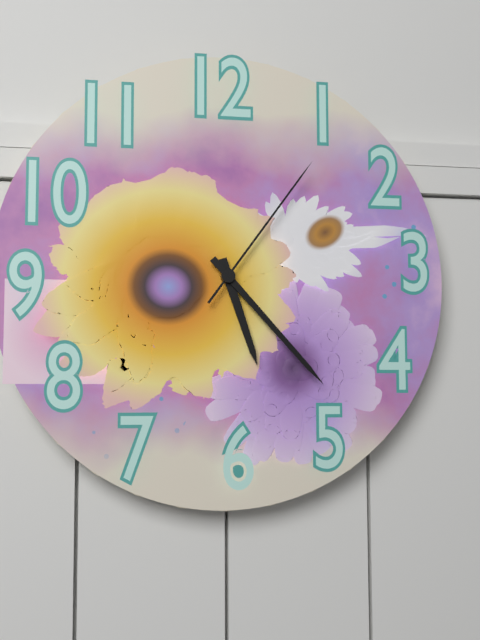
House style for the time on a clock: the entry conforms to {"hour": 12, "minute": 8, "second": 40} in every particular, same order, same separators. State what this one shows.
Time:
{"hour": 5, "minute": 23, "second": 6}
